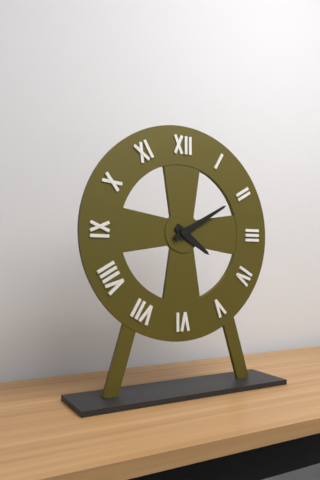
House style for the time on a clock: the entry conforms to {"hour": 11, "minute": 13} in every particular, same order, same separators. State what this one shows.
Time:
{"hour": 4, "minute": 10}
